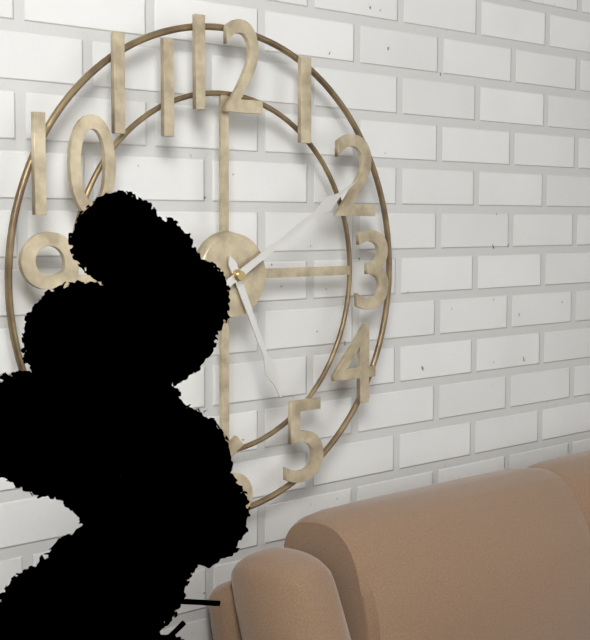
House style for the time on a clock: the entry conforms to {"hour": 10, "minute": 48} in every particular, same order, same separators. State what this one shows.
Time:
{"hour": 5, "minute": 10}
